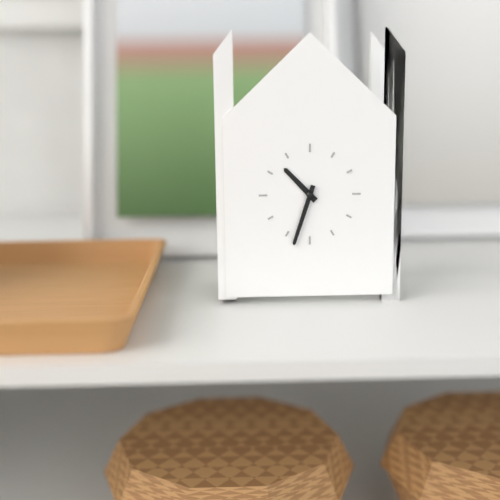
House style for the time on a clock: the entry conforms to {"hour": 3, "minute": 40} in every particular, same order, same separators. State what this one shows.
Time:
{"hour": 10, "minute": 33}
